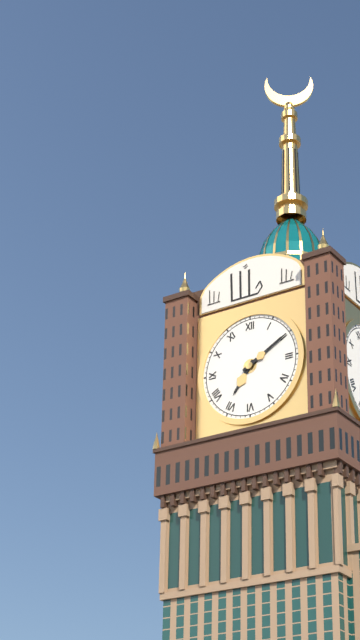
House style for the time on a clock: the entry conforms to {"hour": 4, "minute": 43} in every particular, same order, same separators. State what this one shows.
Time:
{"hour": 7, "minute": 10}
